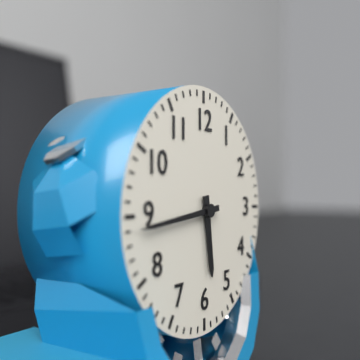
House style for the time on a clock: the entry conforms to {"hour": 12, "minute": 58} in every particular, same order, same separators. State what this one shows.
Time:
{"hour": 5, "minute": 44}
